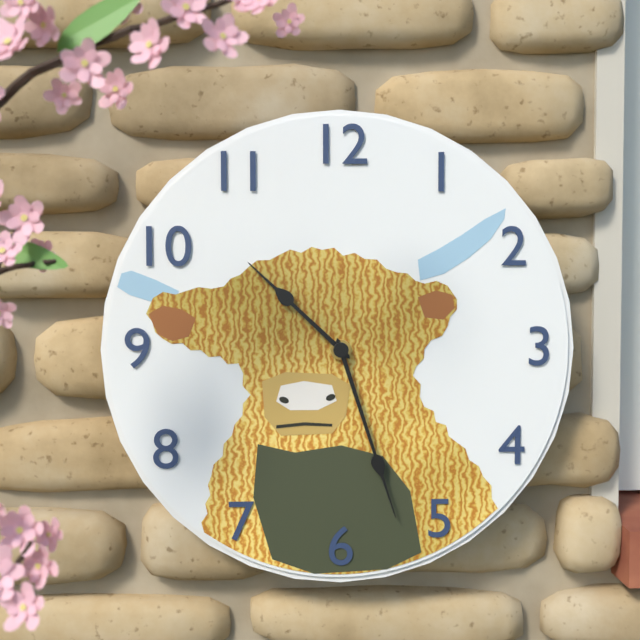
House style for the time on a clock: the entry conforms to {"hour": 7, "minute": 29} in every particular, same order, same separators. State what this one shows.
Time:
{"hour": 10, "minute": 27}
